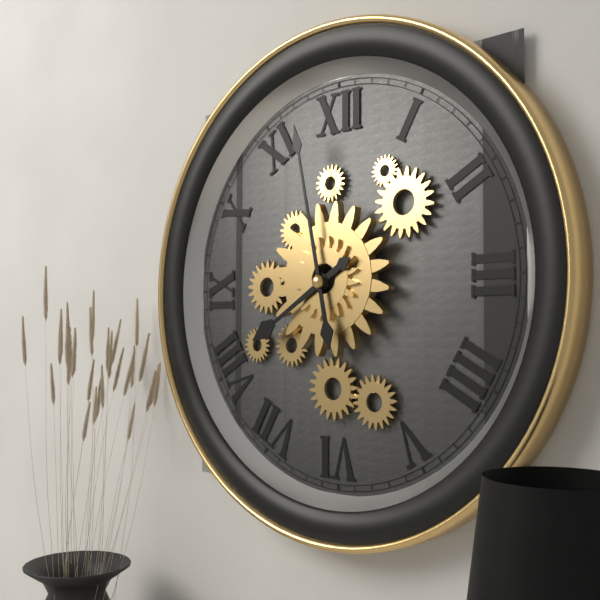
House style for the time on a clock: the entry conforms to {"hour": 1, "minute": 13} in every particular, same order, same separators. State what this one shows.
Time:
{"hour": 7, "minute": 58}
